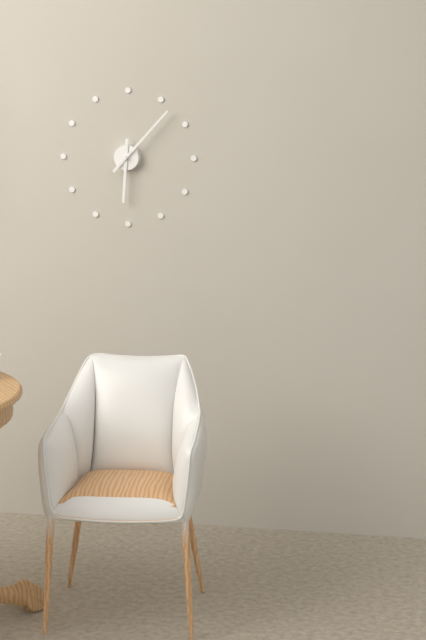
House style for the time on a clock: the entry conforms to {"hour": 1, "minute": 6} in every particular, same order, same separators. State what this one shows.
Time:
{"hour": 6, "minute": 7}
